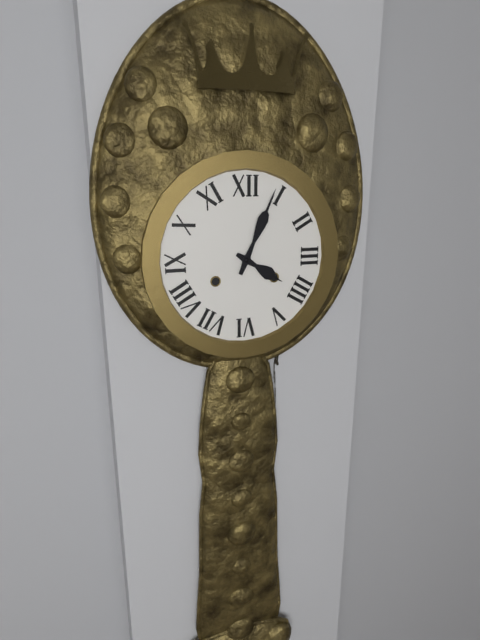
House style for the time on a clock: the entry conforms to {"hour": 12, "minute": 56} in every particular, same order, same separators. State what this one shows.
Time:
{"hour": 4, "minute": 4}
